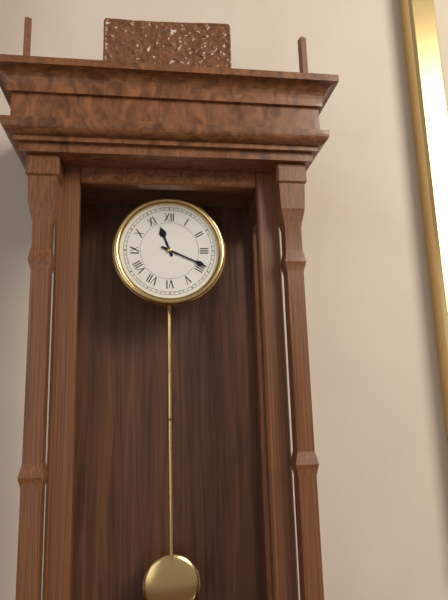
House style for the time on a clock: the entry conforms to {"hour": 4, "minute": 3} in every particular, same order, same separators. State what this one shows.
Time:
{"hour": 11, "minute": 19}
